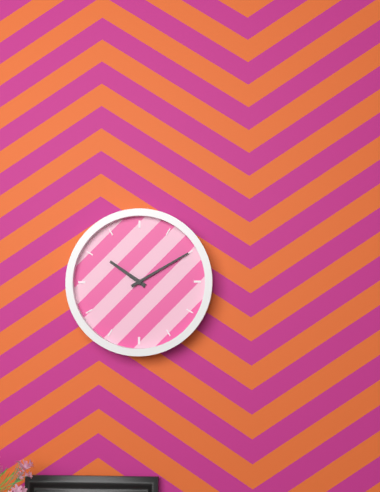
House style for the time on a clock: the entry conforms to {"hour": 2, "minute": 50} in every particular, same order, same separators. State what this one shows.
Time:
{"hour": 10, "minute": 10}
